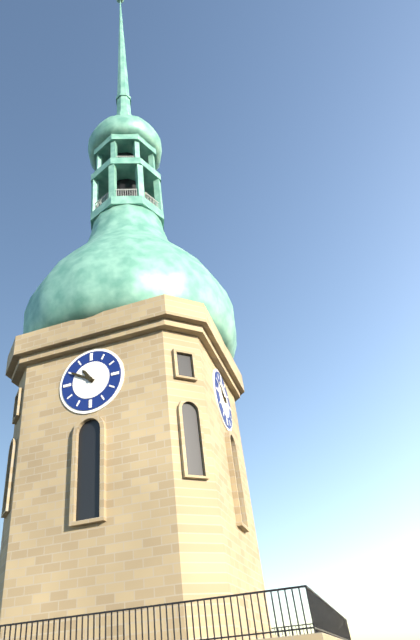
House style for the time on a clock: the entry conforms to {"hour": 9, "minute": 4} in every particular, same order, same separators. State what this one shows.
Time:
{"hour": 10, "minute": 50}
